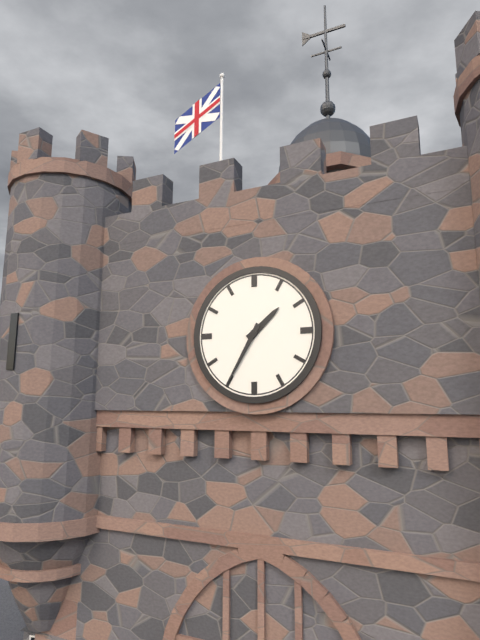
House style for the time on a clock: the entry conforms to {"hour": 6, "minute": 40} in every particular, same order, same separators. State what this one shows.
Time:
{"hour": 1, "minute": 35}
